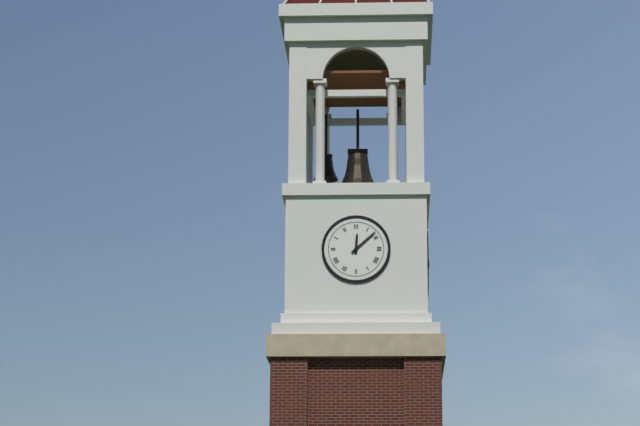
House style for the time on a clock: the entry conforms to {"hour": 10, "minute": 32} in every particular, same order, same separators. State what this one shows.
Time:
{"hour": 12, "minute": 8}
